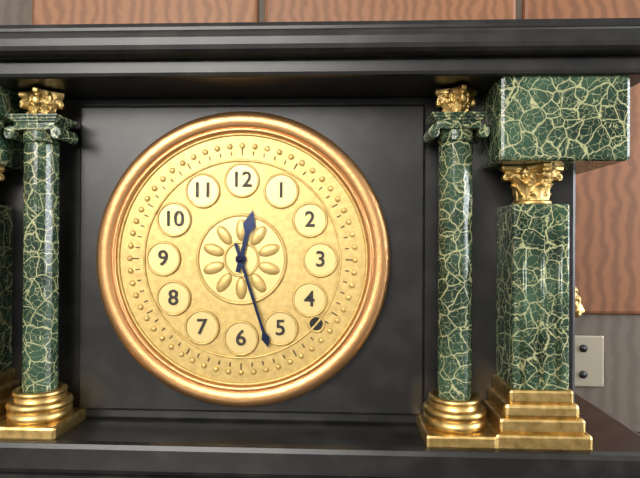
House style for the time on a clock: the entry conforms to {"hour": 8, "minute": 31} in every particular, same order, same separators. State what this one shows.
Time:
{"hour": 12, "minute": 27}
